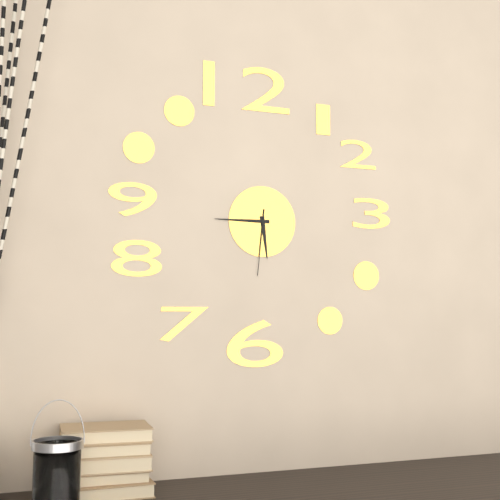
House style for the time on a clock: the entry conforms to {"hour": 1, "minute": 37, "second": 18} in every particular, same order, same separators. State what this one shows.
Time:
{"hour": 5, "minute": 45, "second": 31}
